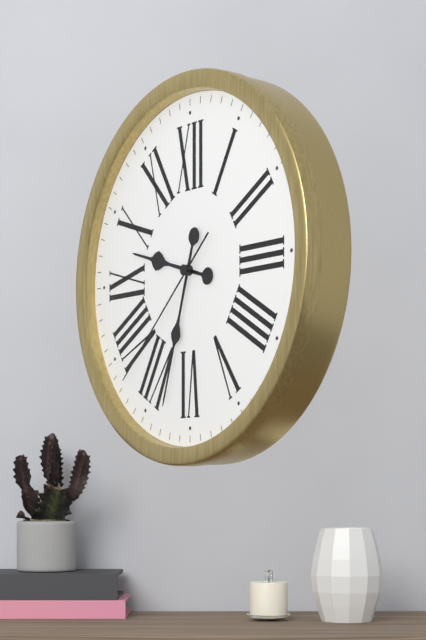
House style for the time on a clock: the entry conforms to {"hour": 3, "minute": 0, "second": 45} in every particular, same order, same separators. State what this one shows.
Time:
{"hour": 9, "minute": 33, "second": 38}
